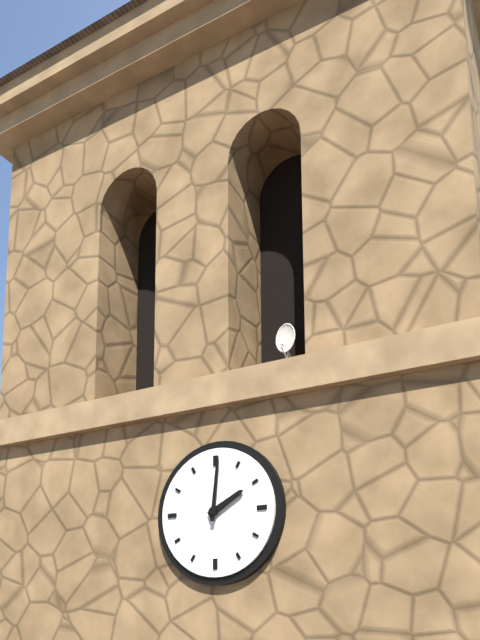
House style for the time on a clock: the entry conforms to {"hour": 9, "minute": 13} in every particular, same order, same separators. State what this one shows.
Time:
{"hour": 2, "minute": 1}
